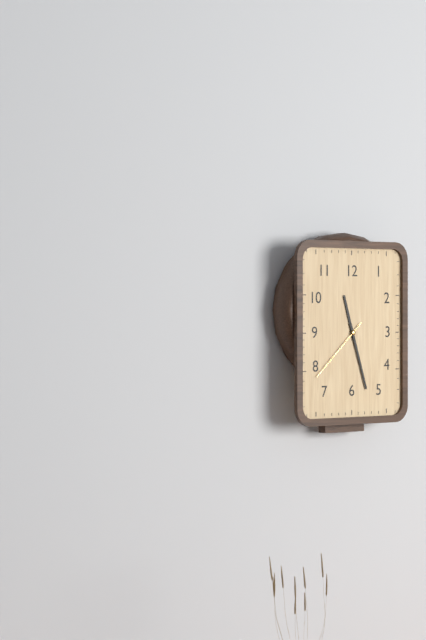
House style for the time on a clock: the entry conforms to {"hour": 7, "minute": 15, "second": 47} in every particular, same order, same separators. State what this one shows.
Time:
{"hour": 11, "minute": 27, "second": 38}
